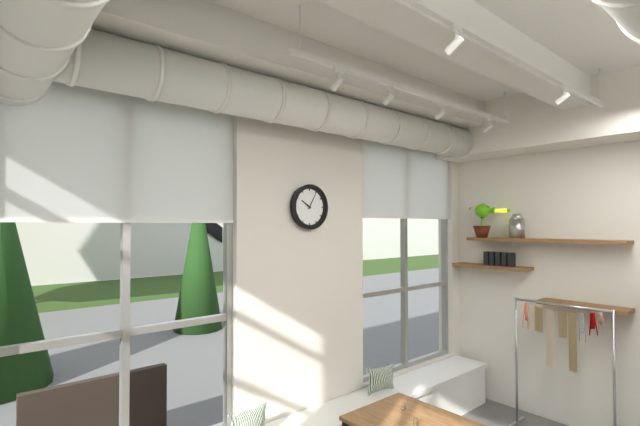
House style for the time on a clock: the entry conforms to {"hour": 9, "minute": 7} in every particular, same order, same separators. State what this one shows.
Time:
{"hour": 10, "minute": 5}
